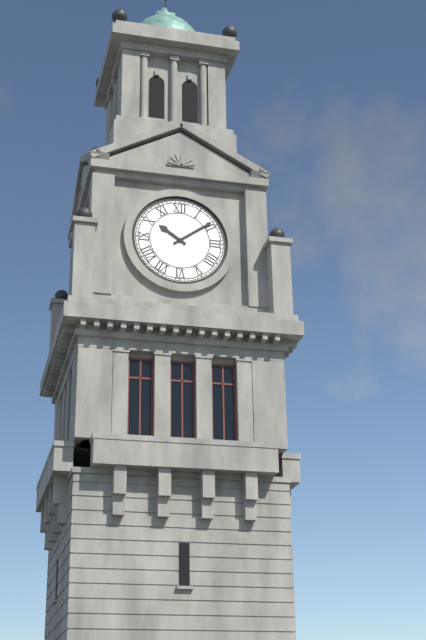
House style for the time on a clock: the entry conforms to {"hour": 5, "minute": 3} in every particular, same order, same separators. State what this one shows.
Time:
{"hour": 10, "minute": 9}
